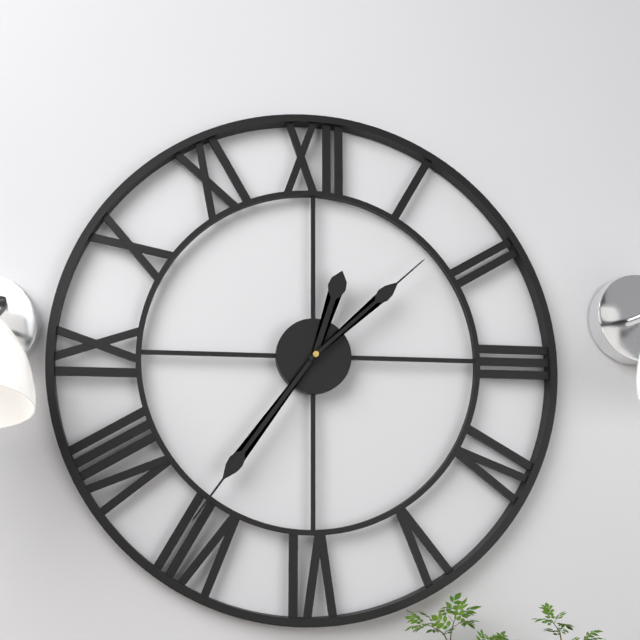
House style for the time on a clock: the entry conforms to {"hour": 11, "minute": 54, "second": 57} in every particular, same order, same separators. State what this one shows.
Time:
{"hour": 12, "minute": 36, "second": 8}
